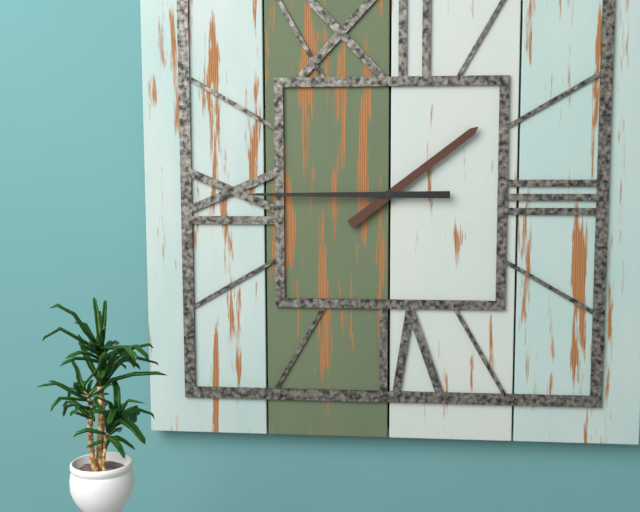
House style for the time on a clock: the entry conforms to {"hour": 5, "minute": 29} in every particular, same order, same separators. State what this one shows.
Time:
{"hour": 1, "minute": 45}
